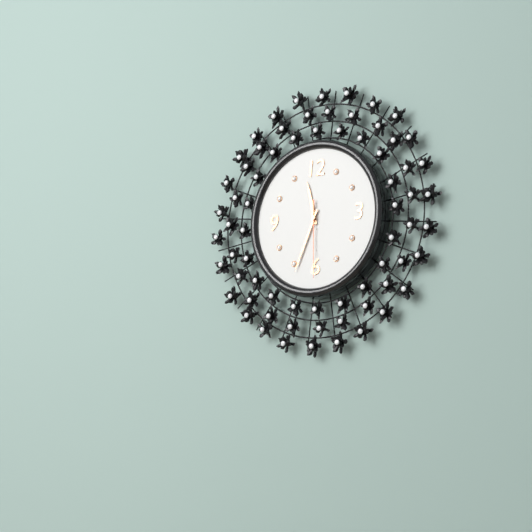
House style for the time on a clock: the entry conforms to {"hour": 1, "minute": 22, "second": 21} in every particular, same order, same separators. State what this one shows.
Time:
{"hour": 11, "minute": 34, "second": 30}
